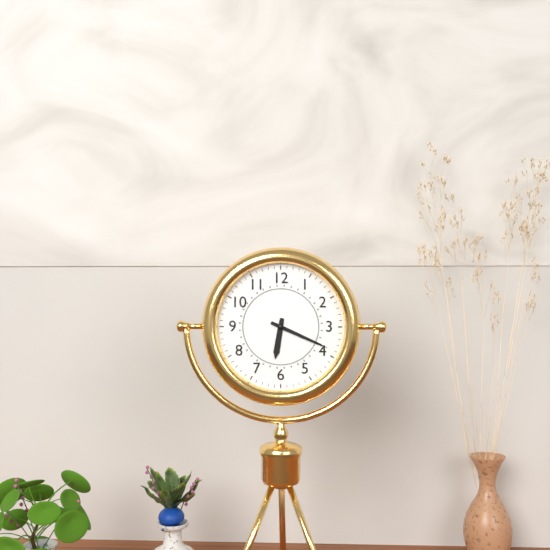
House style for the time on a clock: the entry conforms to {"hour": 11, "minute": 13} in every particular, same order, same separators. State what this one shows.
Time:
{"hour": 6, "minute": 19}
